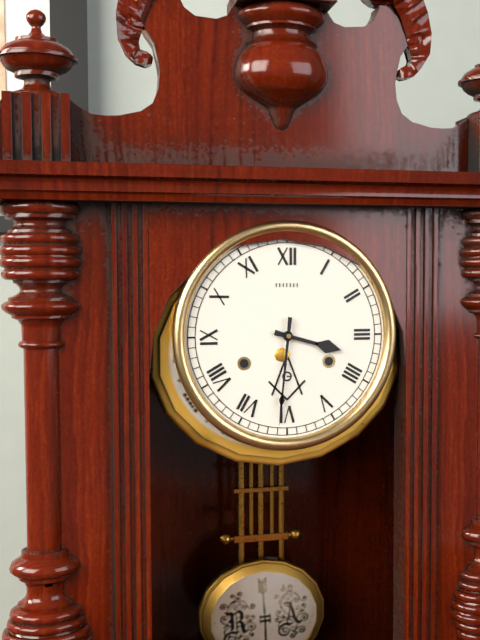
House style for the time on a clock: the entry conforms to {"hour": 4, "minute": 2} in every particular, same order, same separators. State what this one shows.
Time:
{"hour": 3, "minute": 31}
